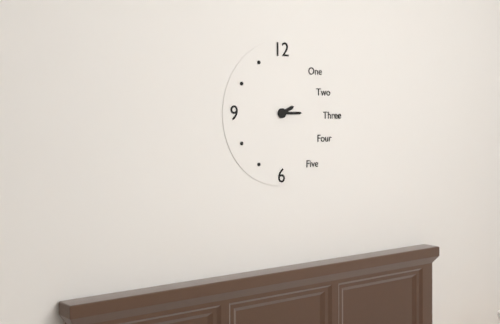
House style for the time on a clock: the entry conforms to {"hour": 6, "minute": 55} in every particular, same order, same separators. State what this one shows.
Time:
{"hour": 2, "minute": 15}
